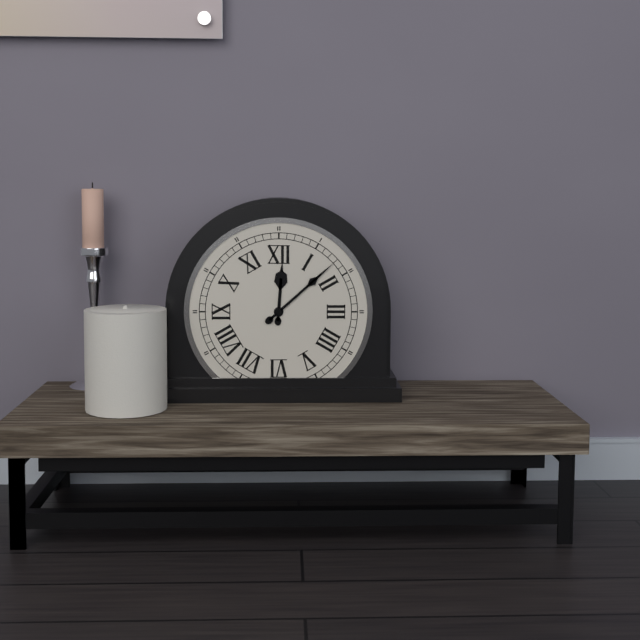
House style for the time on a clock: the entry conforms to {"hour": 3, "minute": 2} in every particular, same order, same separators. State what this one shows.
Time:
{"hour": 12, "minute": 8}
